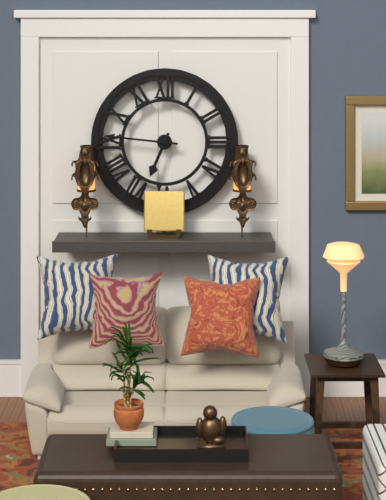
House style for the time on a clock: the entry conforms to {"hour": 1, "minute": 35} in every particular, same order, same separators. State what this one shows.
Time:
{"hour": 6, "minute": 46}
